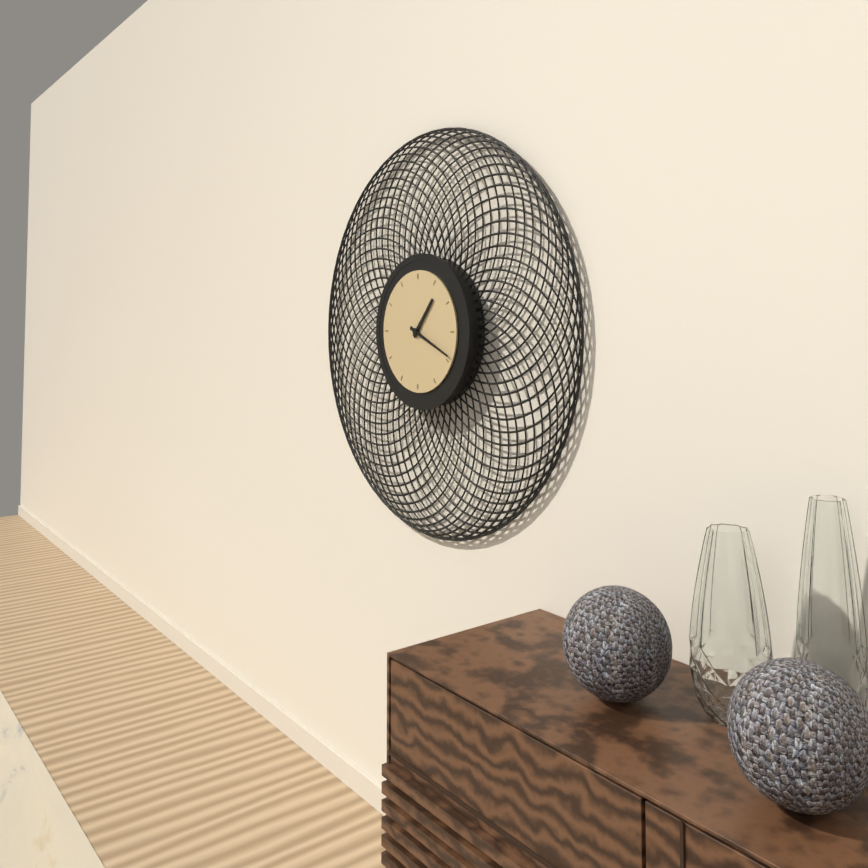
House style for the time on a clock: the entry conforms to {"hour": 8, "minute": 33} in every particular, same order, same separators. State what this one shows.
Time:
{"hour": 1, "minute": 19}
